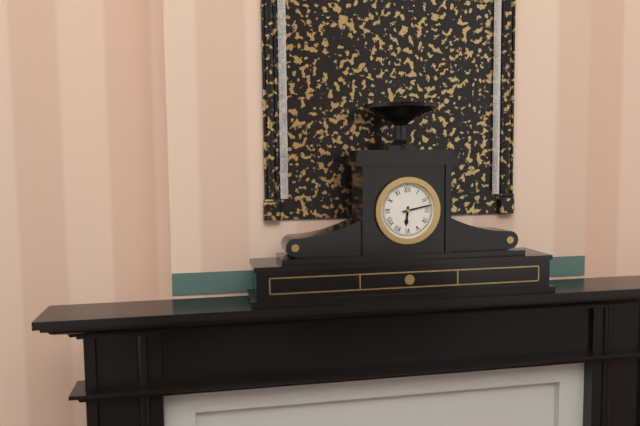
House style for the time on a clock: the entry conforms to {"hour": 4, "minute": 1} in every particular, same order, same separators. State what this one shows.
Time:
{"hour": 6, "minute": 13}
